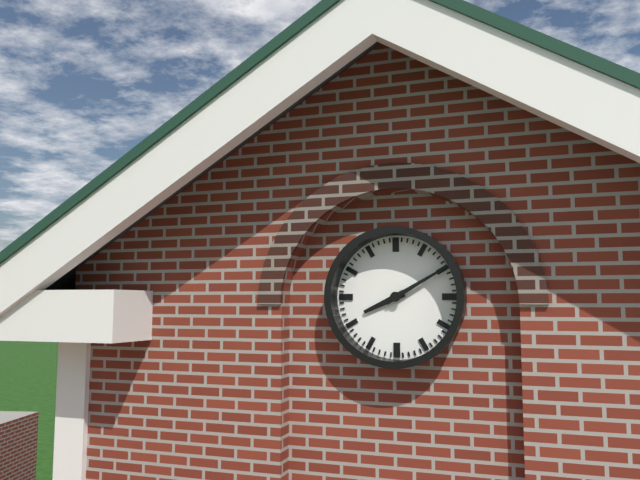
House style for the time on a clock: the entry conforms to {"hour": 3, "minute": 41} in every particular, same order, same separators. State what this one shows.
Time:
{"hour": 8, "minute": 10}
